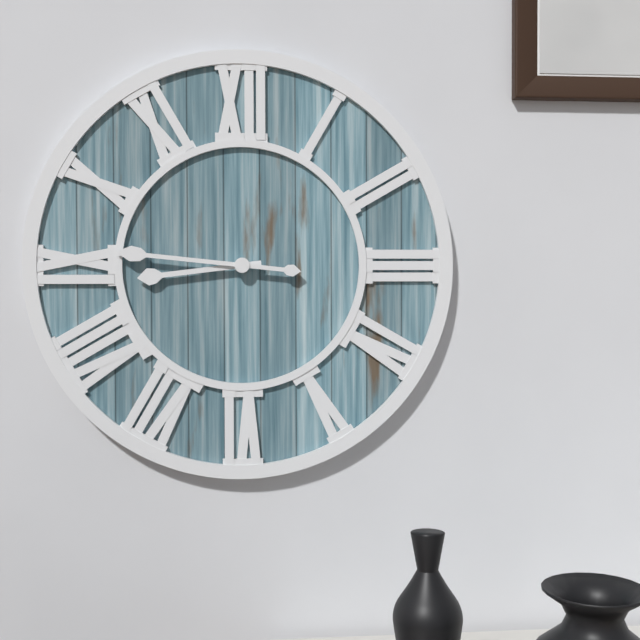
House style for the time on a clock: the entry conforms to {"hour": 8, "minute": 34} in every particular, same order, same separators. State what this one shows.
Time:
{"hour": 8, "minute": 46}
